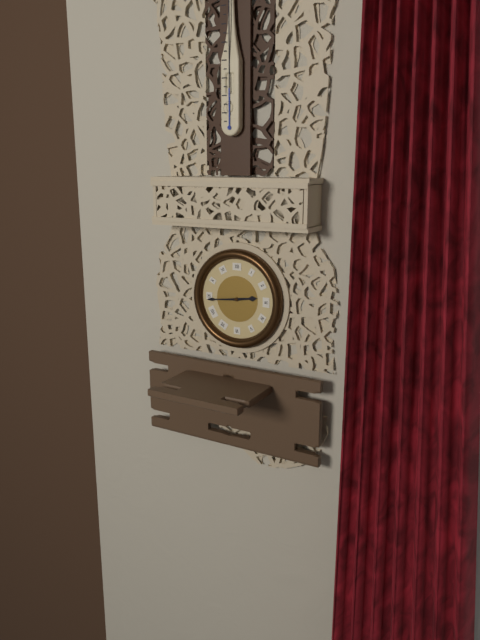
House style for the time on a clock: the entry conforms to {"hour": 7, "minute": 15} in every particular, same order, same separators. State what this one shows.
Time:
{"hour": 2, "minute": 44}
